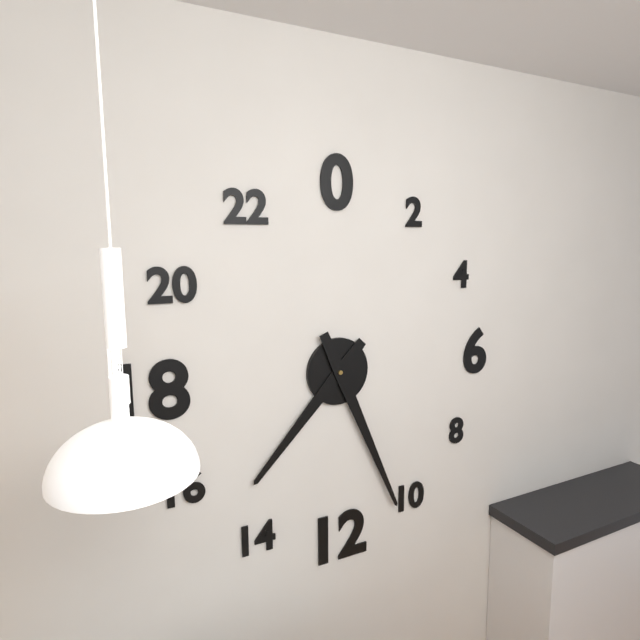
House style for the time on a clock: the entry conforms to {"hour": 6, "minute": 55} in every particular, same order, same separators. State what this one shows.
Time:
{"hour": 7, "minute": 26}
